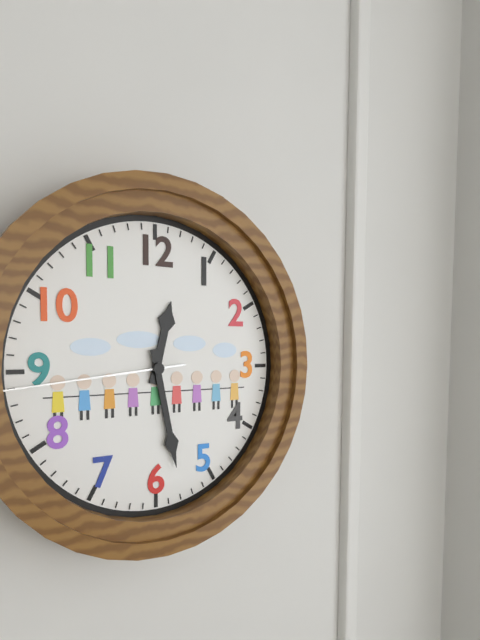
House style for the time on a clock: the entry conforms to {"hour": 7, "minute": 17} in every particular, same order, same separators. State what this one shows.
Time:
{"hour": 12, "minute": 28}
